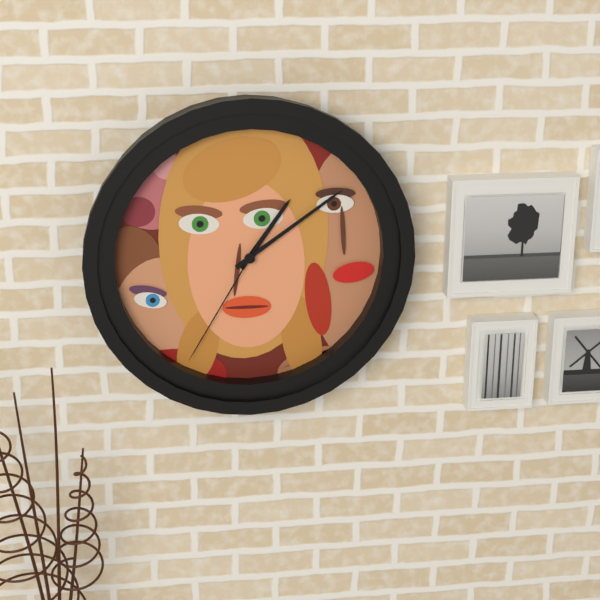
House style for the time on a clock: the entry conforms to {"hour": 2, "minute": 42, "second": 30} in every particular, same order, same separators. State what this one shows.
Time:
{"hour": 1, "minute": 9, "second": 35}
